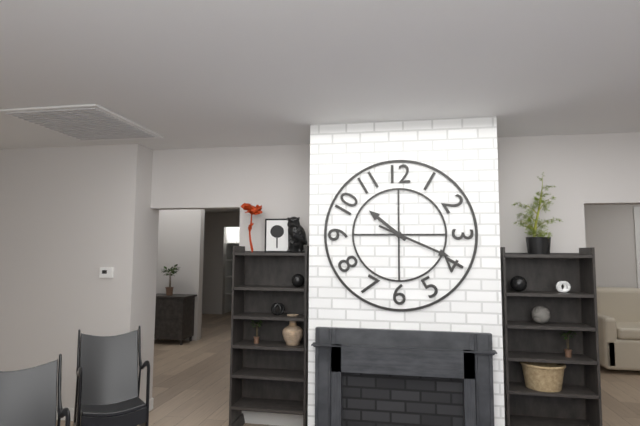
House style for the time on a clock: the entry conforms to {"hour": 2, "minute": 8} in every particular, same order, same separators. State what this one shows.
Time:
{"hour": 10, "minute": 19}
